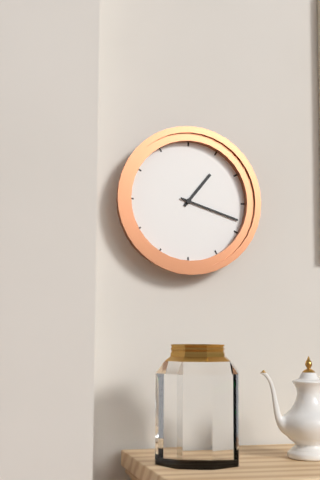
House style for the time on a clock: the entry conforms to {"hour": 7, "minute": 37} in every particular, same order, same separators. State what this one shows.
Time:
{"hour": 1, "minute": 18}
